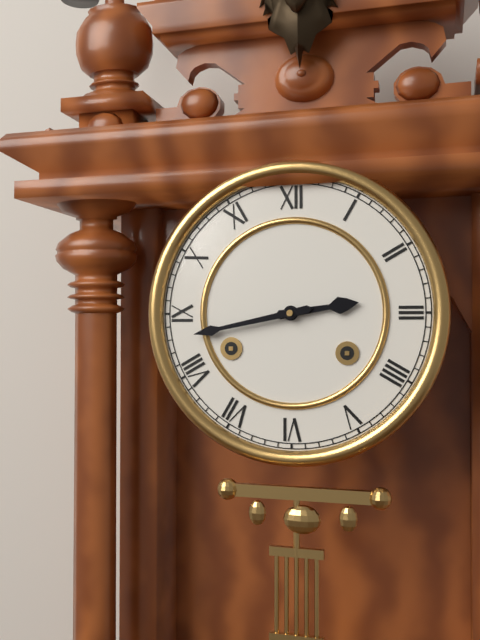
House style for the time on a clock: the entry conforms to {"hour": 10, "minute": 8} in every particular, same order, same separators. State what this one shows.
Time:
{"hour": 2, "minute": 43}
